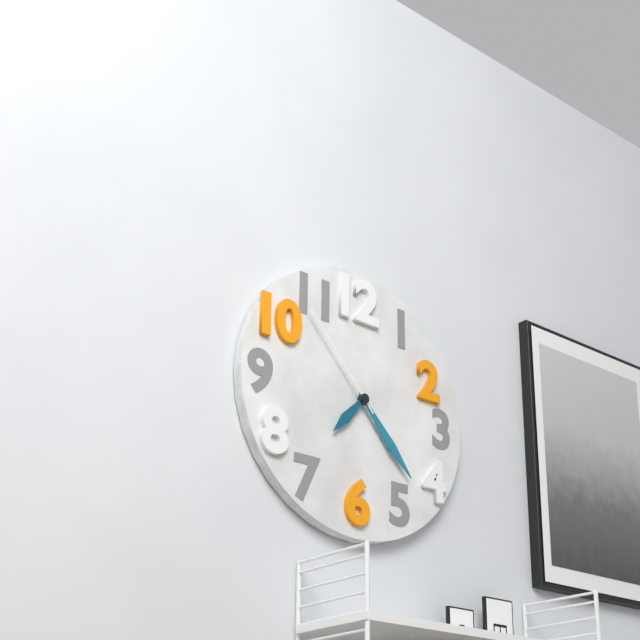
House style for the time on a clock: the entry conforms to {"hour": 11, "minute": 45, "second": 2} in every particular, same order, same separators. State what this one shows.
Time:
{"hour": 7, "minute": 23, "second": 53}
